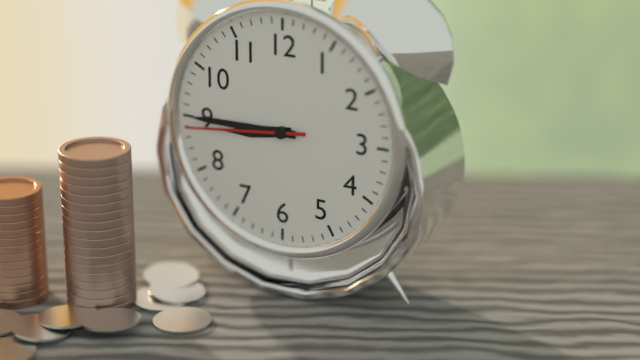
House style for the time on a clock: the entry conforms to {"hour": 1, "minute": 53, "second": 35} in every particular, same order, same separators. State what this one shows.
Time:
{"hour": 8, "minute": 45, "second": 44}
